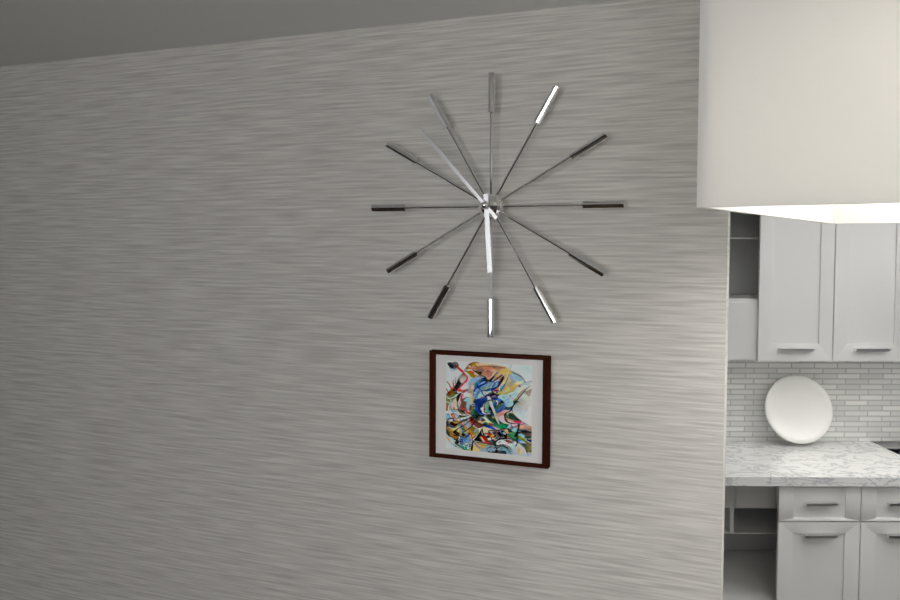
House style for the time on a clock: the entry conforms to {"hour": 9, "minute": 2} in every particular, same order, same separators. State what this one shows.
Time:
{"hour": 5, "minute": 53}
